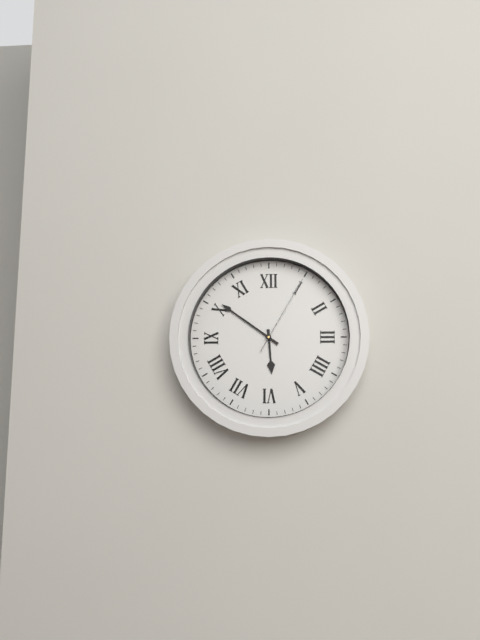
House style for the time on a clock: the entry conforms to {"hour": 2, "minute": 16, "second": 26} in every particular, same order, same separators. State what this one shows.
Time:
{"hour": 5, "minute": 51, "second": 5}
